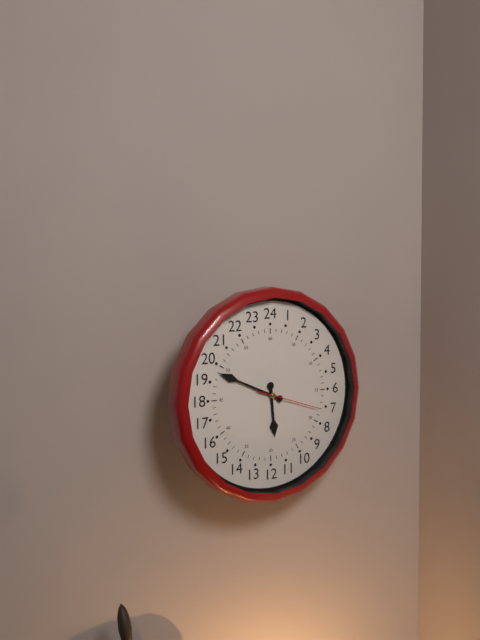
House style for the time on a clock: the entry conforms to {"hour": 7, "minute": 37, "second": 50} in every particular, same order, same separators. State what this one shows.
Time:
{"hour": 5, "minute": 49, "second": 18}
